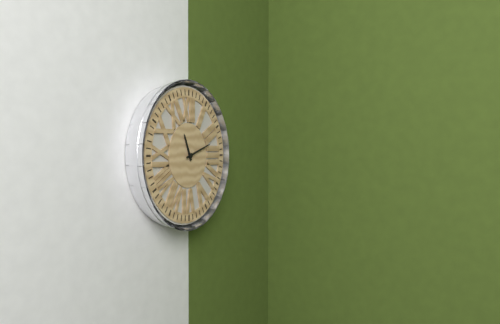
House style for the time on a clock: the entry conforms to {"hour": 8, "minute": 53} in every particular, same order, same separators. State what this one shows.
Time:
{"hour": 11, "minute": 12}
